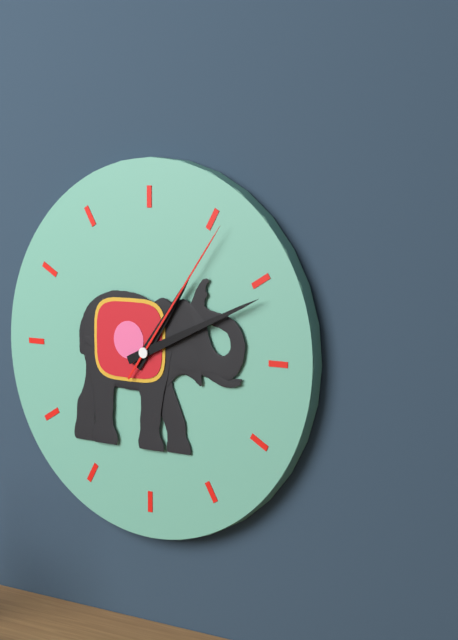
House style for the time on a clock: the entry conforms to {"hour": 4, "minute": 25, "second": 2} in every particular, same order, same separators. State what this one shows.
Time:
{"hour": 1, "minute": 11, "second": 6}
